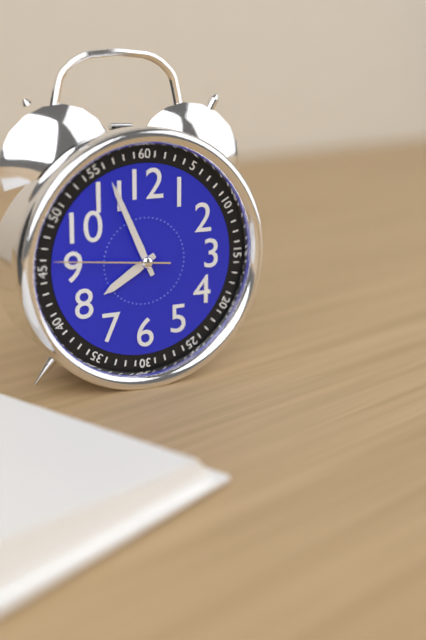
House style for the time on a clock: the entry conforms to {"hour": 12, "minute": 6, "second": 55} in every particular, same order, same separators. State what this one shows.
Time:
{"hour": 7, "minute": 56, "second": 46}
